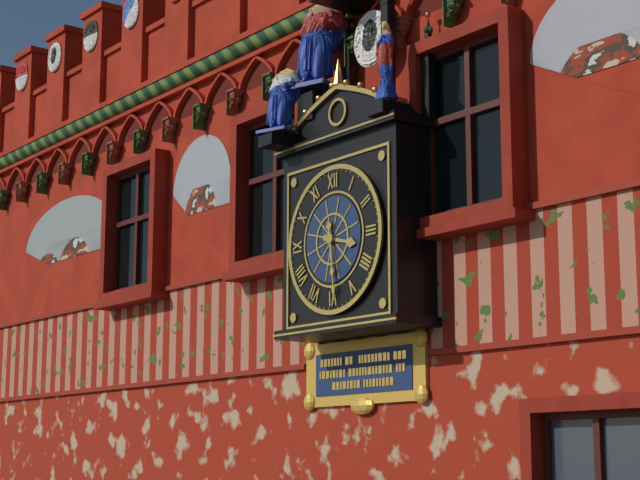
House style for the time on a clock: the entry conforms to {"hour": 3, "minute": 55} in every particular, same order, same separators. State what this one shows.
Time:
{"hour": 3, "minute": 29}
